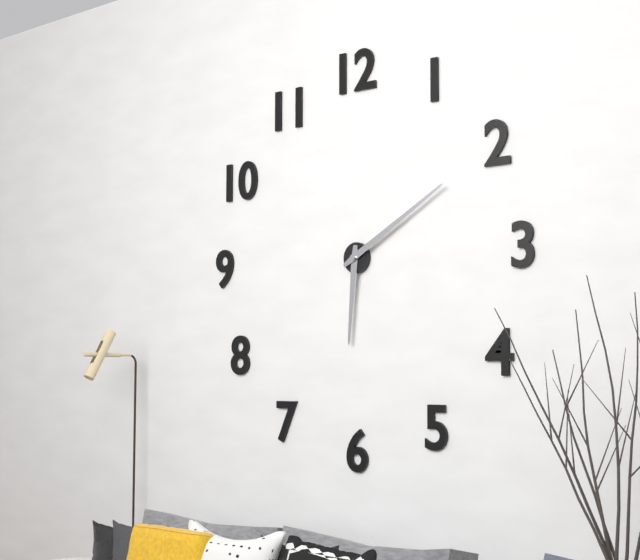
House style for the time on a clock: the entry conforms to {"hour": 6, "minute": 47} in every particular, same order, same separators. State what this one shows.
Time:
{"hour": 6, "minute": 10}
